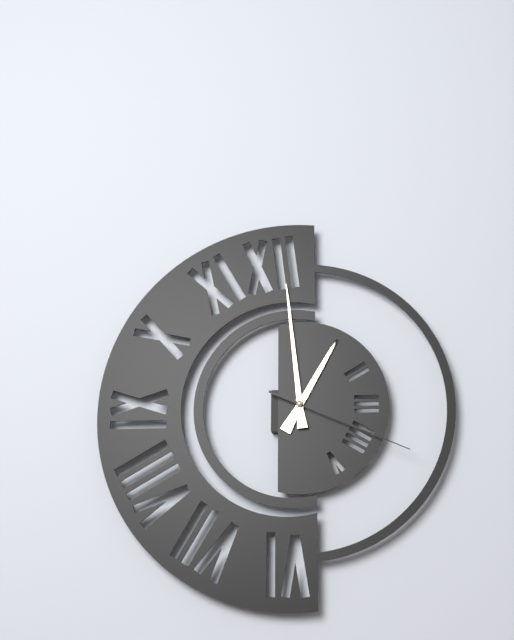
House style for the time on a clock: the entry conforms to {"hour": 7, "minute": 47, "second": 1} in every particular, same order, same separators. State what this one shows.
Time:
{"hour": 12, "minute": 59, "second": 19}
